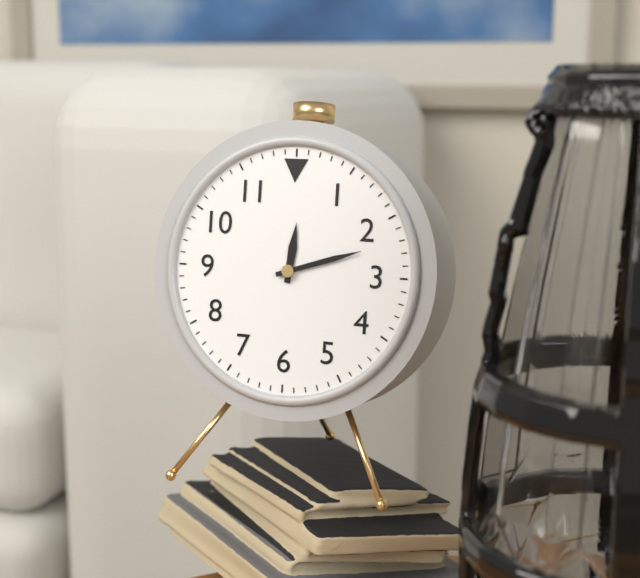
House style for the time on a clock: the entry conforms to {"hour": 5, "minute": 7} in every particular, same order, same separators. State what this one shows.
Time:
{"hour": 12, "minute": 12}
